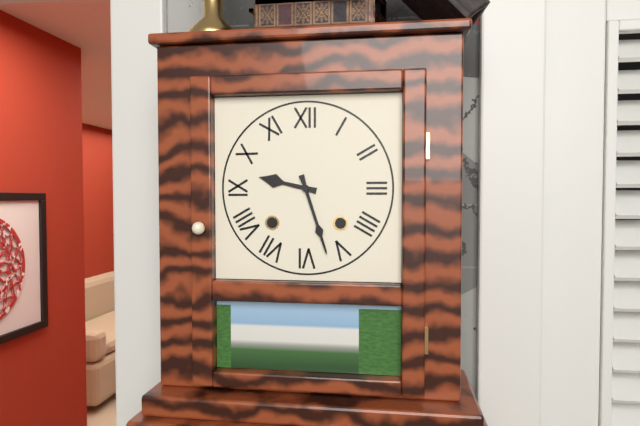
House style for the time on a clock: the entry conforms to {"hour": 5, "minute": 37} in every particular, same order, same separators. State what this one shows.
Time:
{"hour": 9, "minute": 27}
